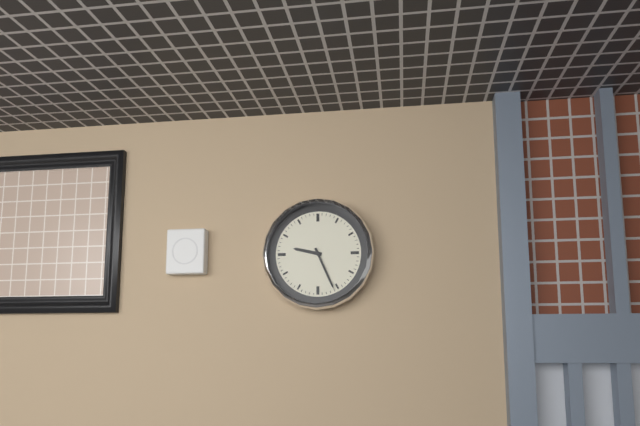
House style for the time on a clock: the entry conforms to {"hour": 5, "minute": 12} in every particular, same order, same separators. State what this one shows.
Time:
{"hour": 9, "minute": 26}
